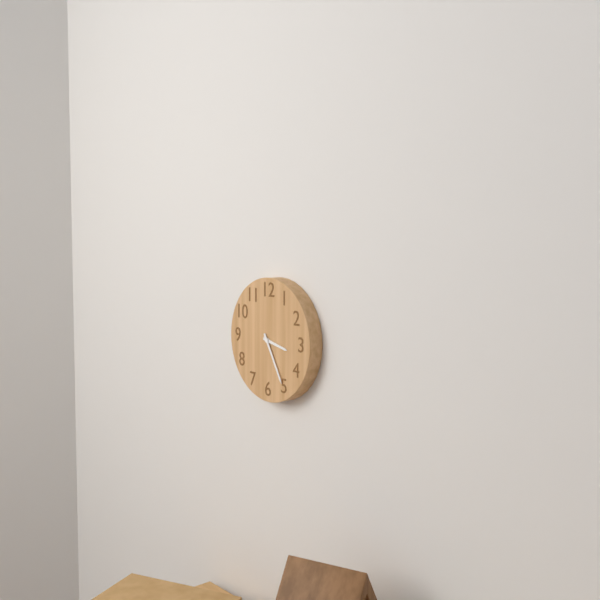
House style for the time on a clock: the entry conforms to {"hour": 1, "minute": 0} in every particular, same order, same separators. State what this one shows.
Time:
{"hour": 3, "minute": 25}
